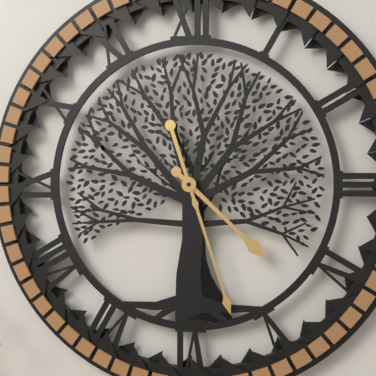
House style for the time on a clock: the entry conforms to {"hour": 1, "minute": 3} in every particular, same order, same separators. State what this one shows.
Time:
{"hour": 4, "minute": 27}
